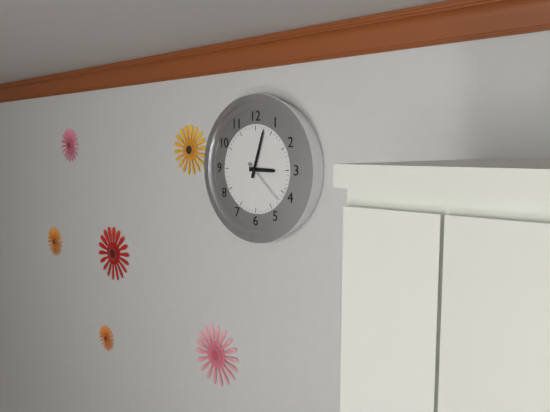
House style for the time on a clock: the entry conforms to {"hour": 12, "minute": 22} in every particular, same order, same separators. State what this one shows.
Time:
{"hour": 3, "minute": 3}
